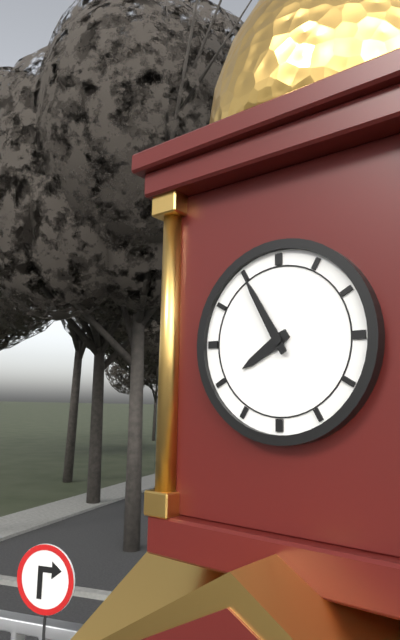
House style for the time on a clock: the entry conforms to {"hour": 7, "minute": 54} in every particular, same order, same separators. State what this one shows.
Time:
{"hour": 7, "minute": 55}
